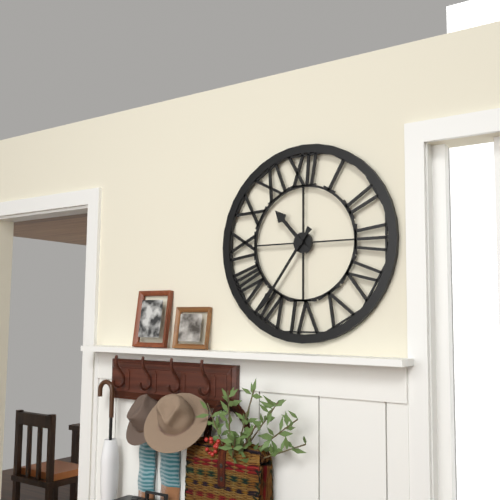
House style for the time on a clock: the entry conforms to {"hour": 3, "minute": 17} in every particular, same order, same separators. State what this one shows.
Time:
{"hour": 10, "minute": 36}
